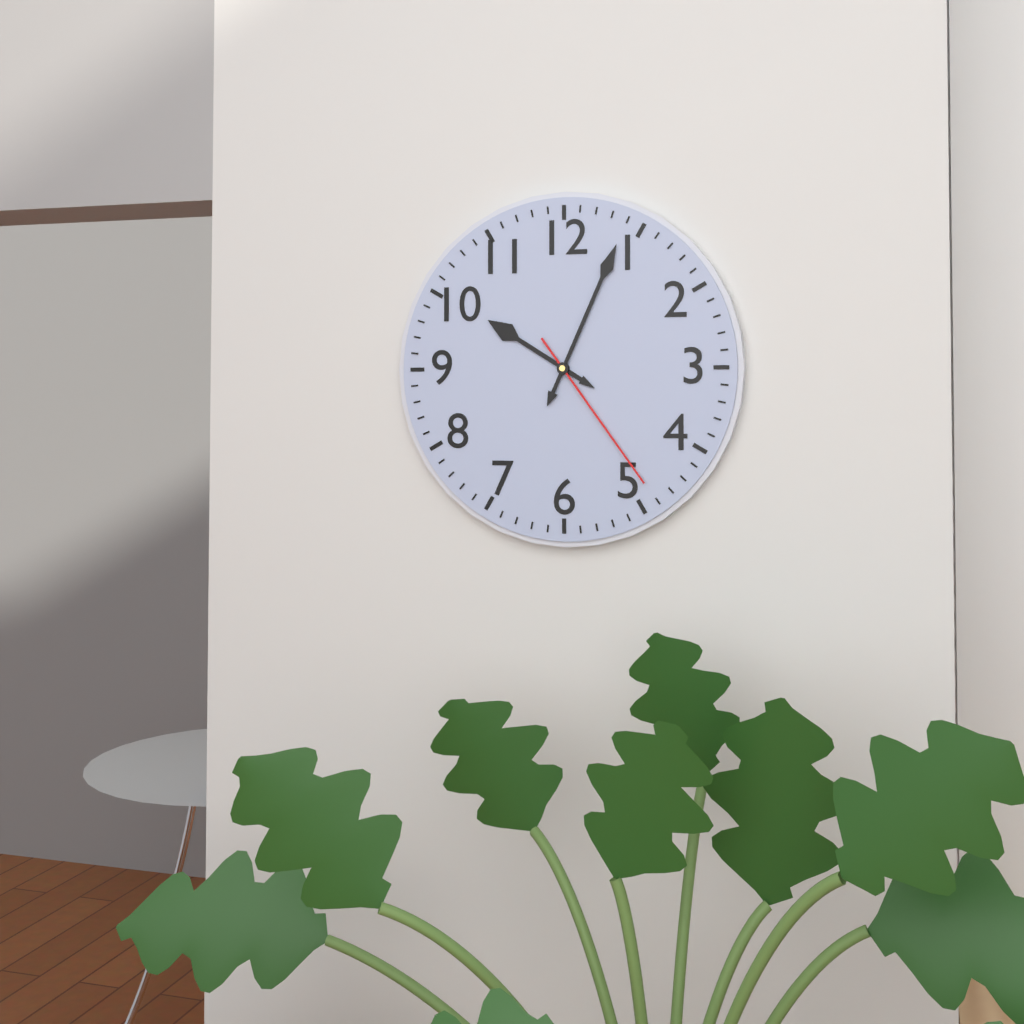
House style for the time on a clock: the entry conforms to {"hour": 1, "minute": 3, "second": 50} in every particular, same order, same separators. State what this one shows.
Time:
{"hour": 10, "minute": 4, "second": 24}
